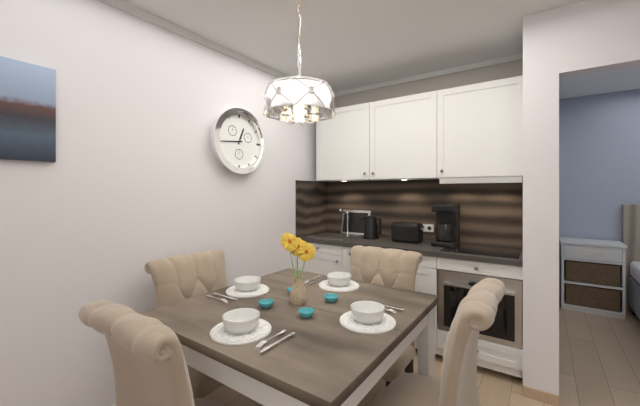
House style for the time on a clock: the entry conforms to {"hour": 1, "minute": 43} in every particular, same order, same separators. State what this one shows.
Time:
{"hour": 12, "minute": 44}
